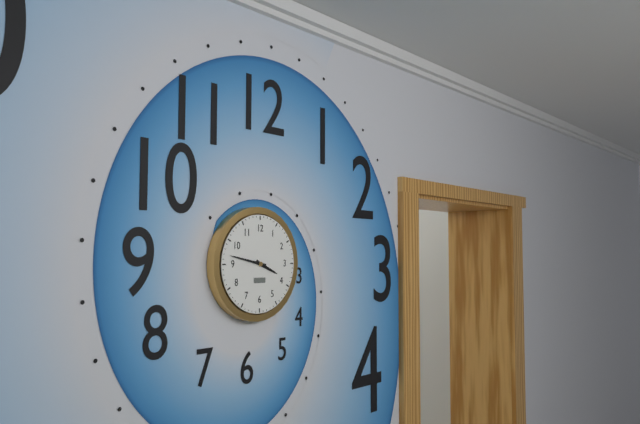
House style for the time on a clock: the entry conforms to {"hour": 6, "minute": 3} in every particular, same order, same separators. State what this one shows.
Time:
{"hour": 3, "minute": 47}
